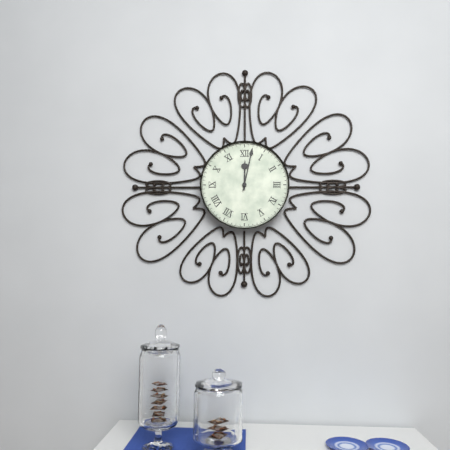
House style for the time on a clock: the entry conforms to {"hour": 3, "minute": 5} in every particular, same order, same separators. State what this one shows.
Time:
{"hour": 12, "minute": 2}
